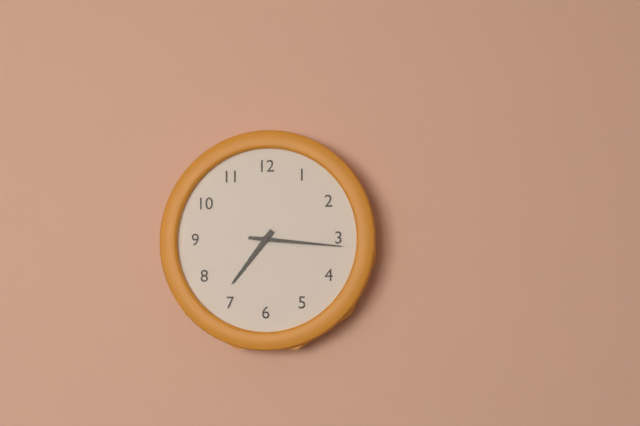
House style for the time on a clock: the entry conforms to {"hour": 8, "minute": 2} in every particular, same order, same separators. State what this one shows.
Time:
{"hour": 7, "minute": 16}
